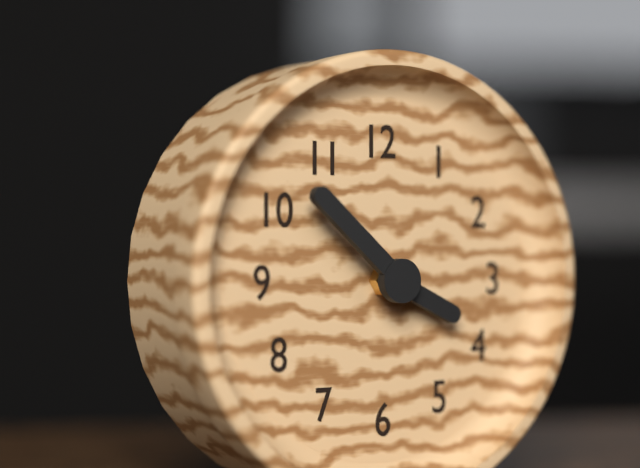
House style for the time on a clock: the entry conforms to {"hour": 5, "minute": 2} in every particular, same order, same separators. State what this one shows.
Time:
{"hour": 3, "minute": 52}
